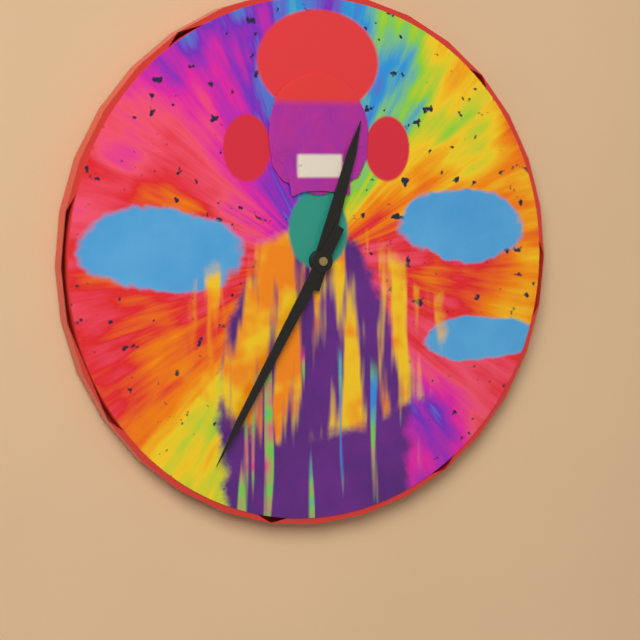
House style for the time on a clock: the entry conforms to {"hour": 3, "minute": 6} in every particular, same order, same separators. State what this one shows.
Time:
{"hour": 12, "minute": 35}
